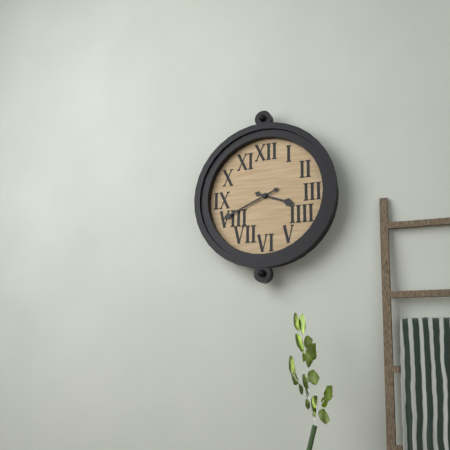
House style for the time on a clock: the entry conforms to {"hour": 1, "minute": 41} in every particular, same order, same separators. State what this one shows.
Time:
{"hour": 3, "minute": 41}
